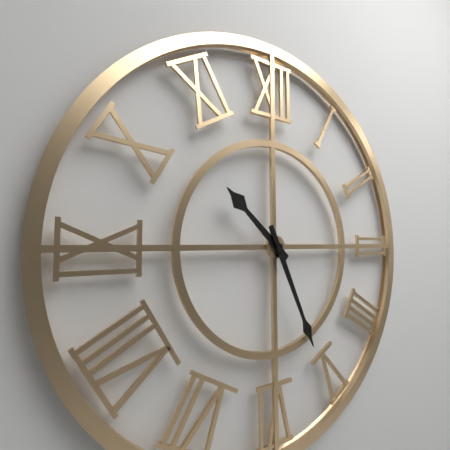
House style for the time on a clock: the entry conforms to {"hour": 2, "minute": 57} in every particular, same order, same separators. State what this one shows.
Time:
{"hour": 10, "minute": 26}
